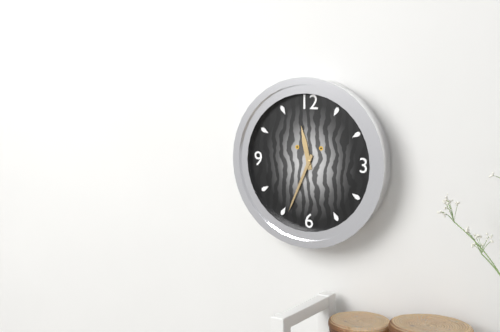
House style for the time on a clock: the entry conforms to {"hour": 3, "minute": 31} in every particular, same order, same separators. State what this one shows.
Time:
{"hour": 11, "minute": 34}
